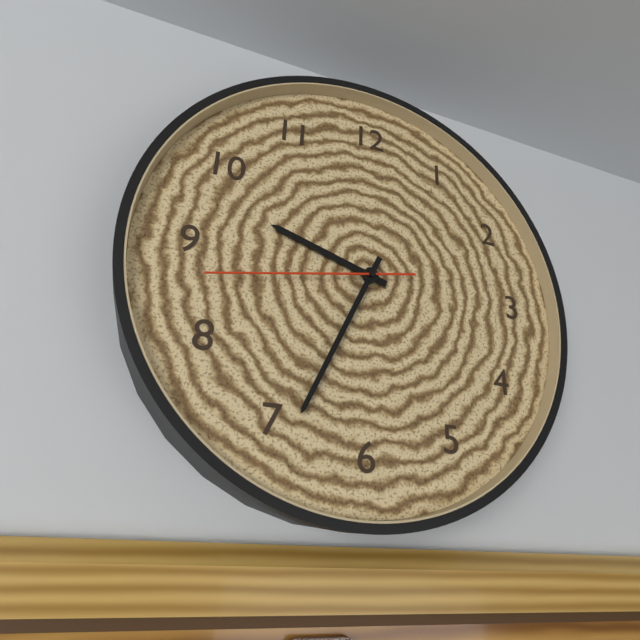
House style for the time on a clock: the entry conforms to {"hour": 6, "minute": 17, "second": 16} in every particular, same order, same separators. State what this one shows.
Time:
{"hour": 9, "minute": 34, "second": 43}
